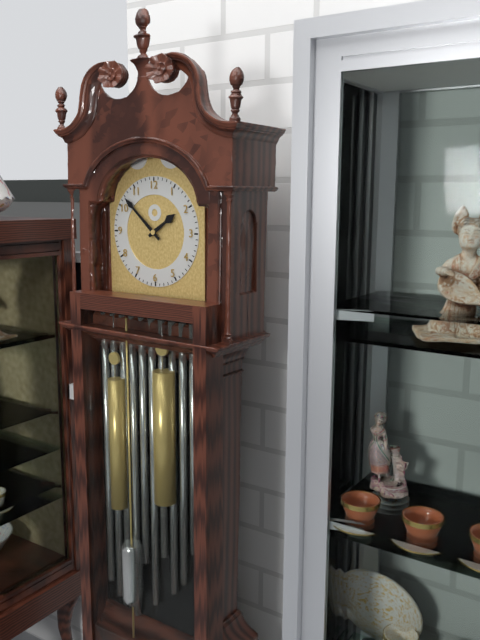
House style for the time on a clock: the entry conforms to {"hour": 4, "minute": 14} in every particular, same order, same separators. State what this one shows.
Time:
{"hour": 1, "minute": 52}
